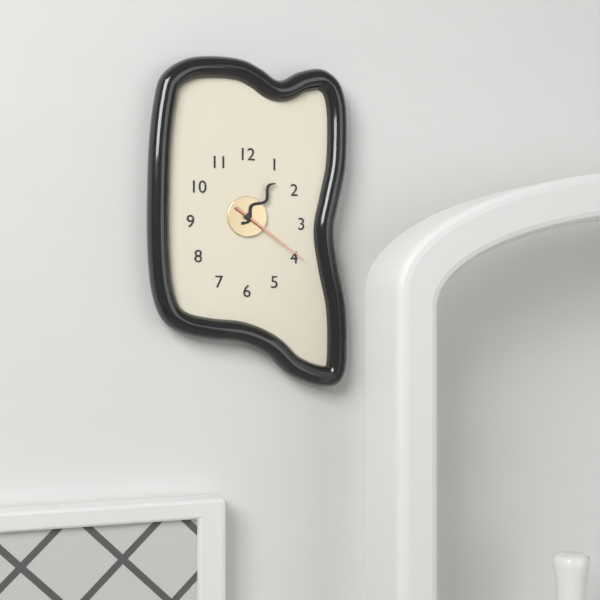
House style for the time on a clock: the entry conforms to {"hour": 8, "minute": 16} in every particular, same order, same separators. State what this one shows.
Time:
{"hour": 1, "minute": 21}
